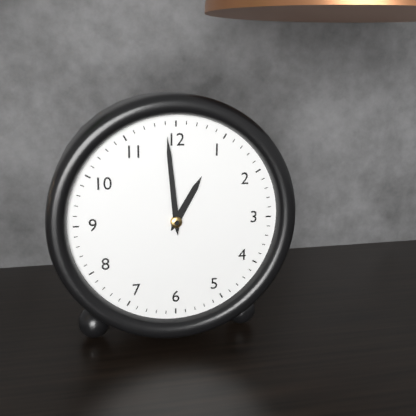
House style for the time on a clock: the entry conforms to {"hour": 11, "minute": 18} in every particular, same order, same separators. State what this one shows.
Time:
{"hour": 12, "minute": 59}
